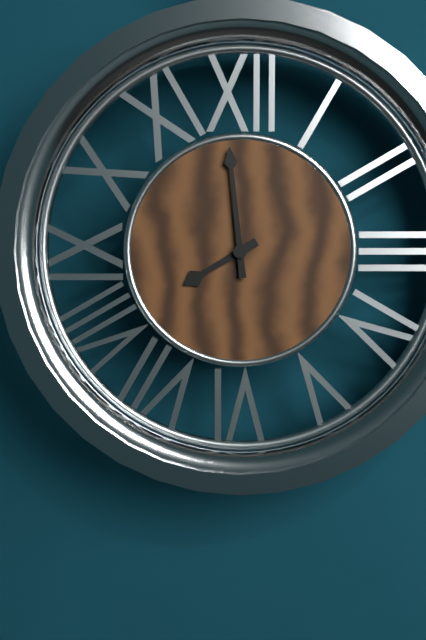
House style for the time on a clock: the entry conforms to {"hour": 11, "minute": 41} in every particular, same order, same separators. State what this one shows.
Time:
{"hour": 7, "minute": 59}
